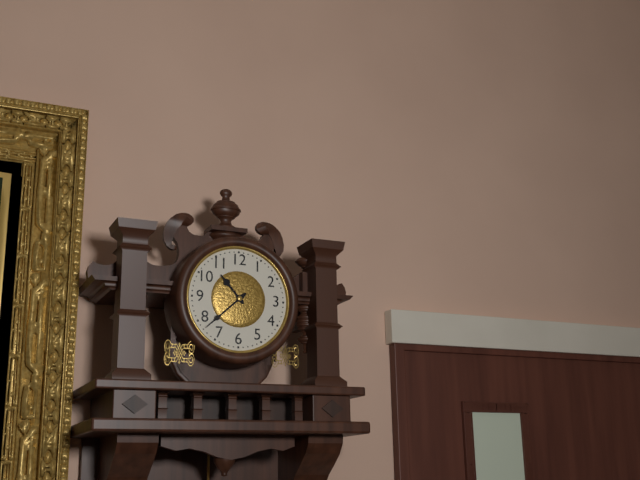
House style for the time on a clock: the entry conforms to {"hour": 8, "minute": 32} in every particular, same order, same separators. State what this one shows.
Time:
{"hour": 10, "minute": 38}
